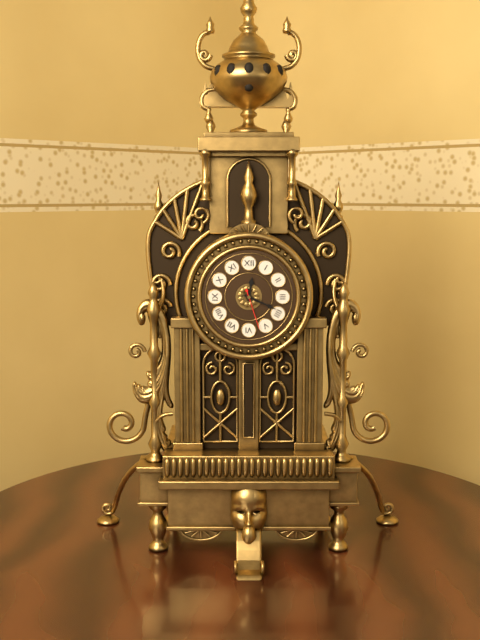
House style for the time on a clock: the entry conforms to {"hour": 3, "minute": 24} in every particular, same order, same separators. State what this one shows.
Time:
{"hour": 12, "minute": 19}
